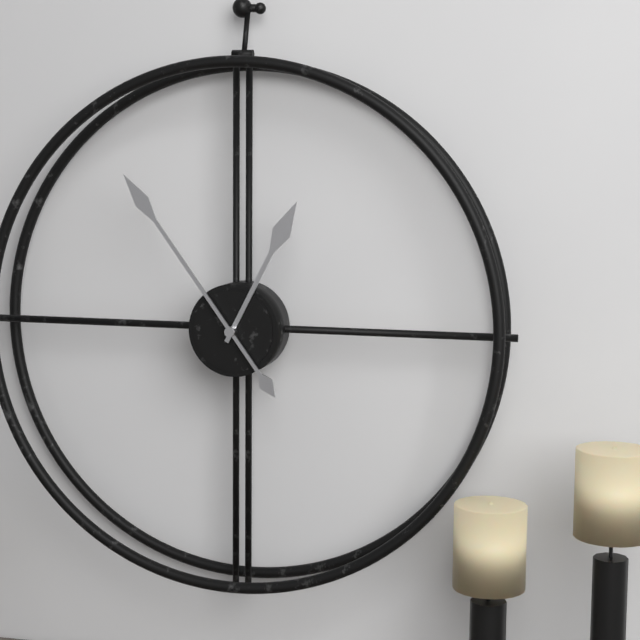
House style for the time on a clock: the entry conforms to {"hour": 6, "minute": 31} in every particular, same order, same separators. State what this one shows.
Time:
{"hour": 12, "minute": 54}
